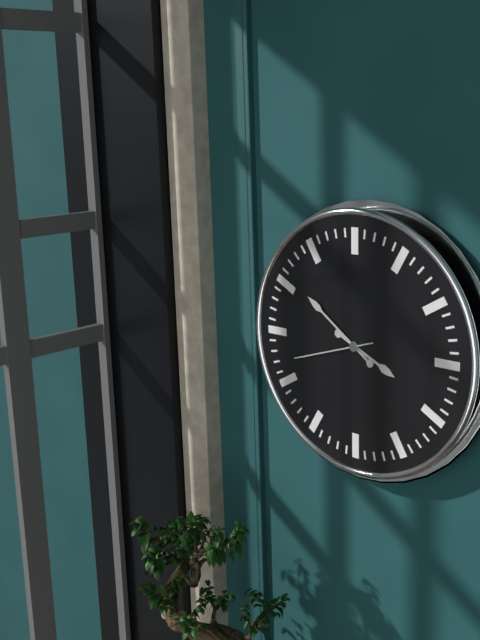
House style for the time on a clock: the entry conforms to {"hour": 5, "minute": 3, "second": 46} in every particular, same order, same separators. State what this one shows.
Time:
{"hour": 3, "minute": 51, "second": 42}
